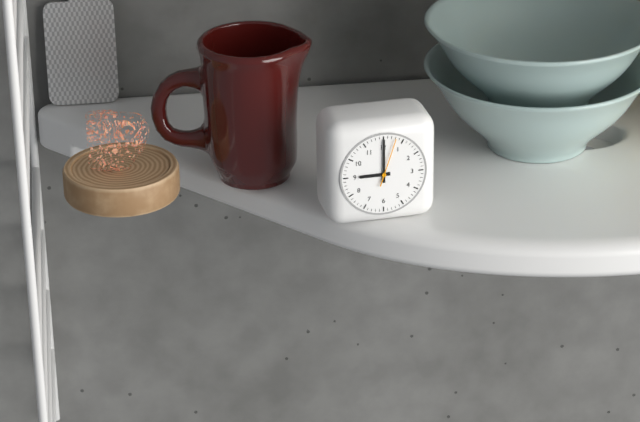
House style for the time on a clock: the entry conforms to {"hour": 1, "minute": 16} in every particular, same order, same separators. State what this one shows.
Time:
{"hour": 9, "minute": 0}
